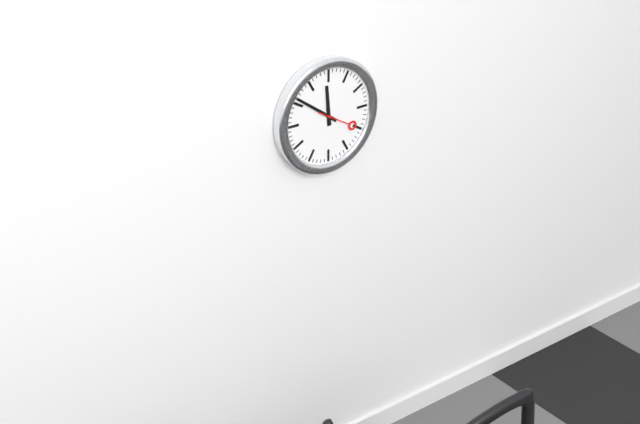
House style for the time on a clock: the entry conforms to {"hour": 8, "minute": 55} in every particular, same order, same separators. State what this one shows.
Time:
{"hour": 11, "minute": 51}
